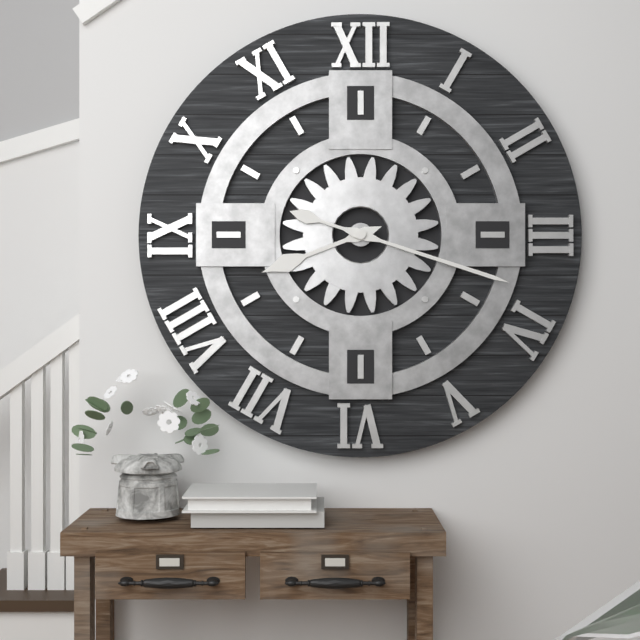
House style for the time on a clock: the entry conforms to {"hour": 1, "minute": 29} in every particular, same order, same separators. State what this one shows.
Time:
{"hour": 8, "minute": 18}
